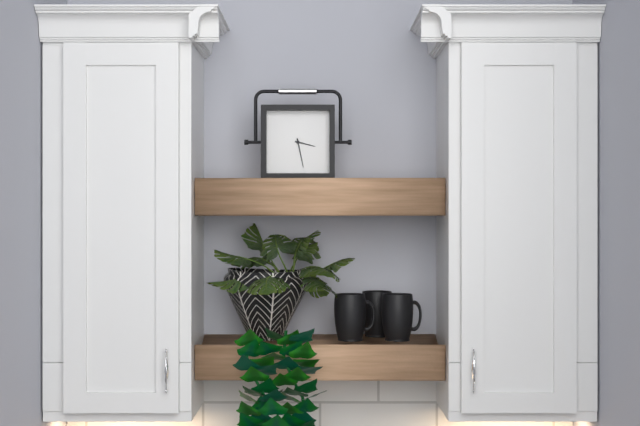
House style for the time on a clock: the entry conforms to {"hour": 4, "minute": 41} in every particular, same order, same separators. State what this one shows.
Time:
{"hour": 3, "minute": 28}
